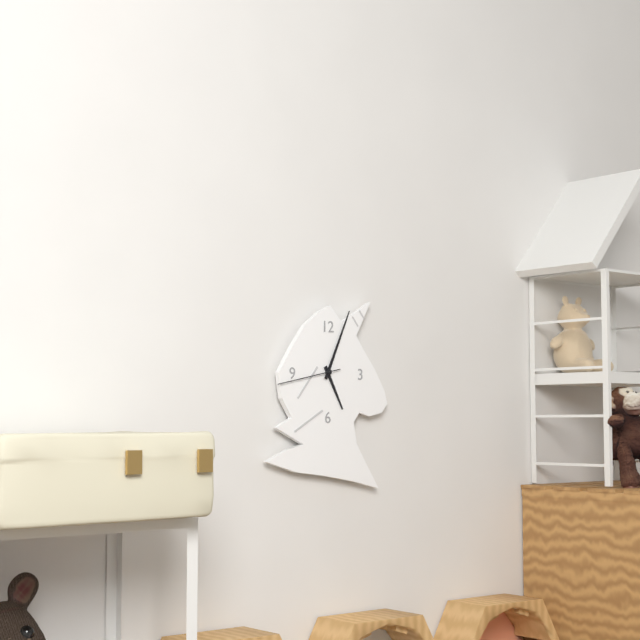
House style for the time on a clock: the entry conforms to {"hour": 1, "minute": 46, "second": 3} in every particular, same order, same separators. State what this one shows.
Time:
{"hour": 5, "minute": 4, "second": 43}
